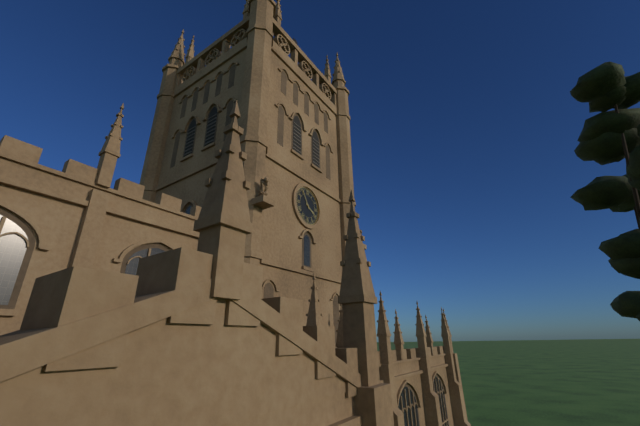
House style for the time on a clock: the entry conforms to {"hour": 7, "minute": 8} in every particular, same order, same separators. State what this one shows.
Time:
{"hour": 3, "minute": 55}
